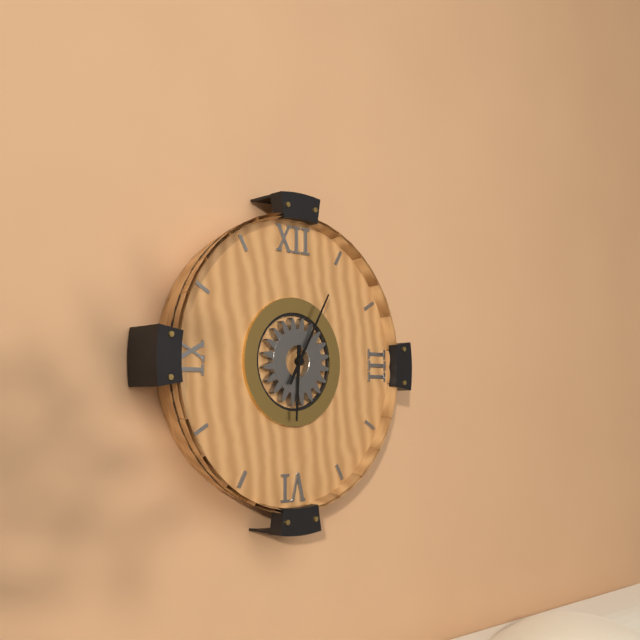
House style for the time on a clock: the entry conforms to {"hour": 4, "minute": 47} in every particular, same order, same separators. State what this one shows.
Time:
{"hour": 6, "minute": 5}
